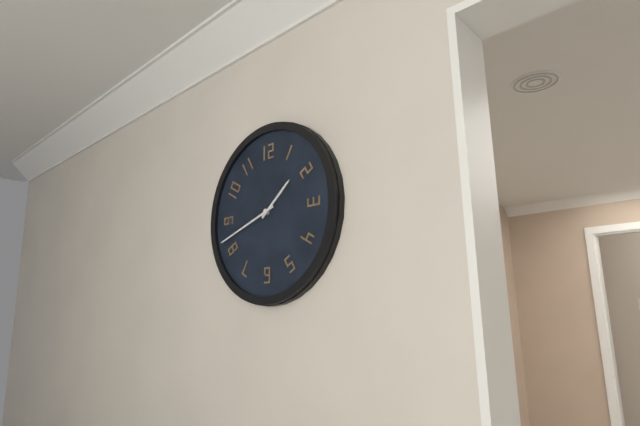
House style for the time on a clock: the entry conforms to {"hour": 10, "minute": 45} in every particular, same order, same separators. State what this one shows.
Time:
{"hour": 1, "minute": 42}
